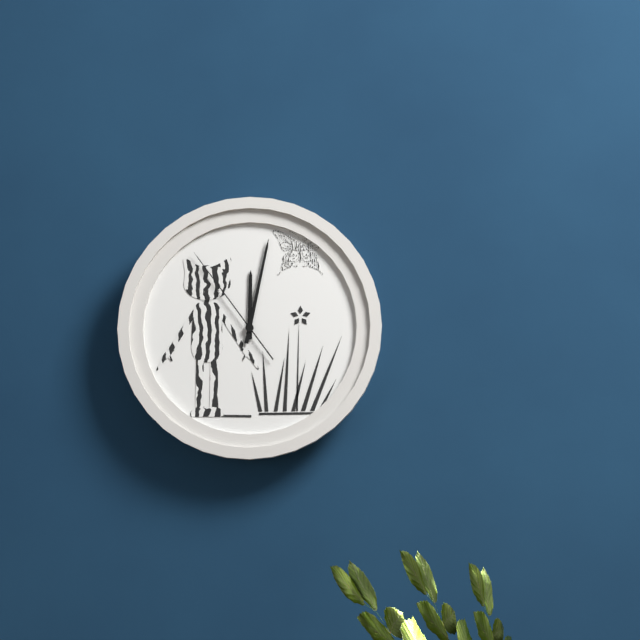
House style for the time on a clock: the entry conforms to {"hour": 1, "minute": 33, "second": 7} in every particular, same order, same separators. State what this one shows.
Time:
{"hour": 12, "minute": 2, "second": 54}
